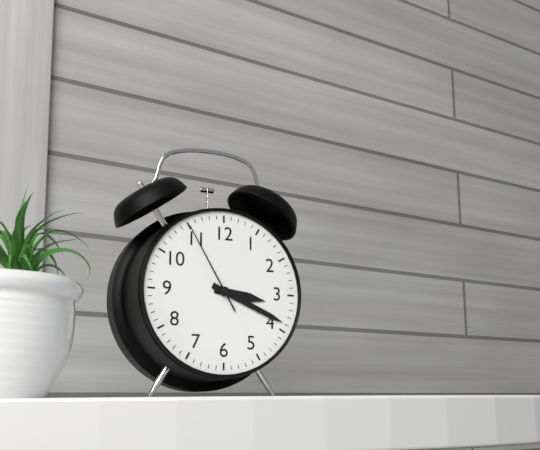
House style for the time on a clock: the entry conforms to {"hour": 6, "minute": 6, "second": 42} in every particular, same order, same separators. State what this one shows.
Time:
{"hour": 3, "minute": 19, "second": 55}
